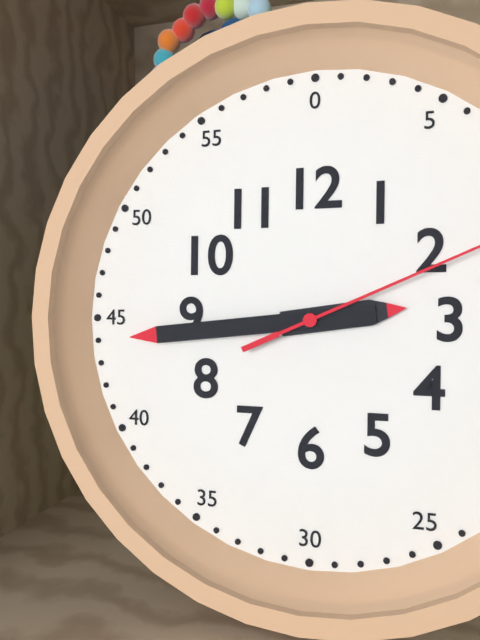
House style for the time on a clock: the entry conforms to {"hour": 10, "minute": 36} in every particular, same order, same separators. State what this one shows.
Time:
{"hour": 2, "minute": 44}
